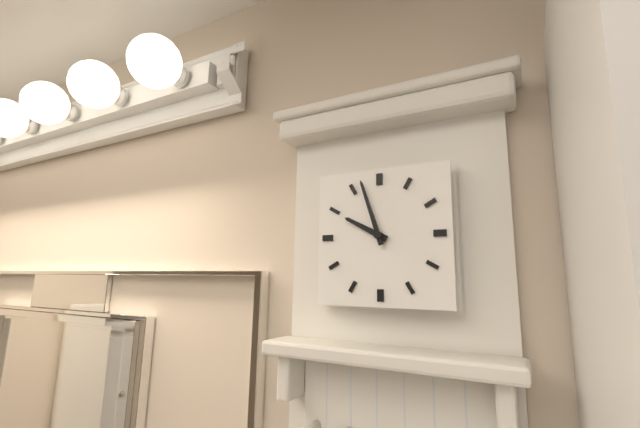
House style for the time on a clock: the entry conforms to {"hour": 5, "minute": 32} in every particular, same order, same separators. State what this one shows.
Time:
{"hour": 9, "minute": 57}
